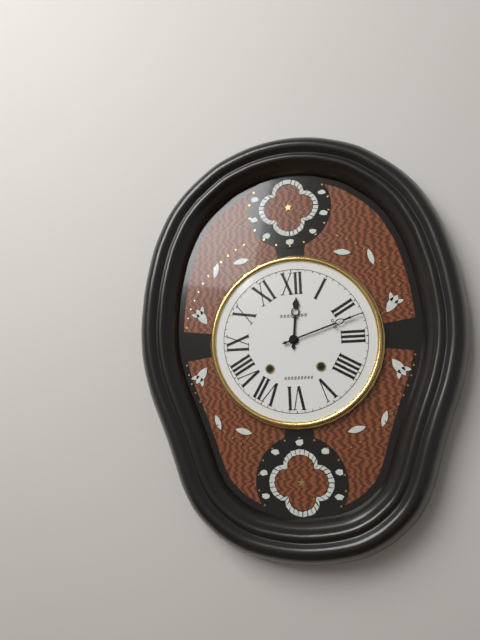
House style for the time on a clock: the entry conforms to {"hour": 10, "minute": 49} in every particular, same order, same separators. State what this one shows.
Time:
{"hour": 12, "minute": 12}
